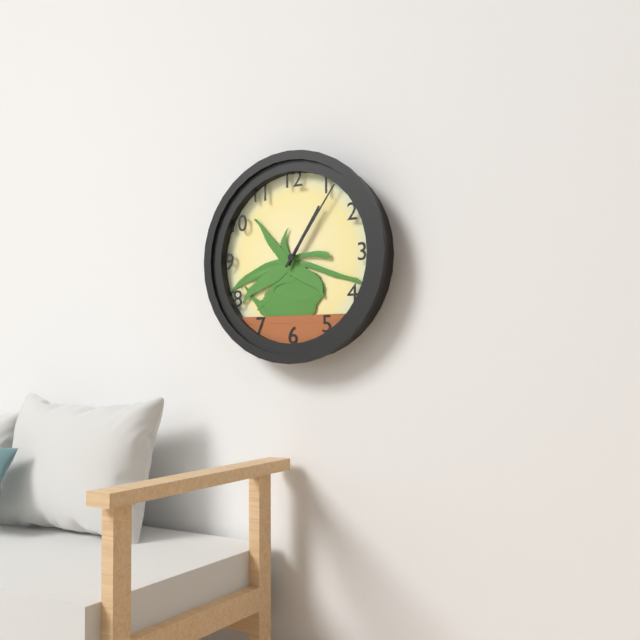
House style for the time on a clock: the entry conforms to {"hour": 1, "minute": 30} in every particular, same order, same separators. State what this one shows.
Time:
{"hour": 1, "minute": 6}
